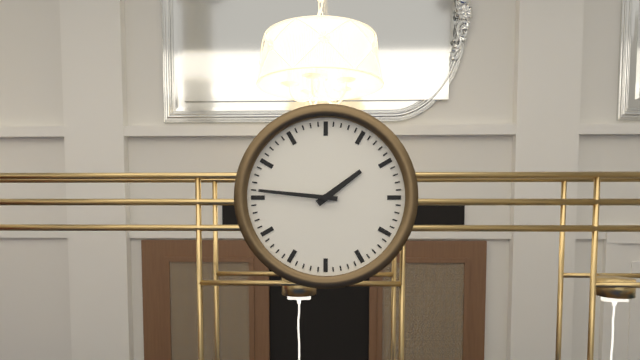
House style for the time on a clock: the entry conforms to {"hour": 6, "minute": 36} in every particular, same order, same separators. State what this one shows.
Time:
{"hour": 1, "minute": 46}
